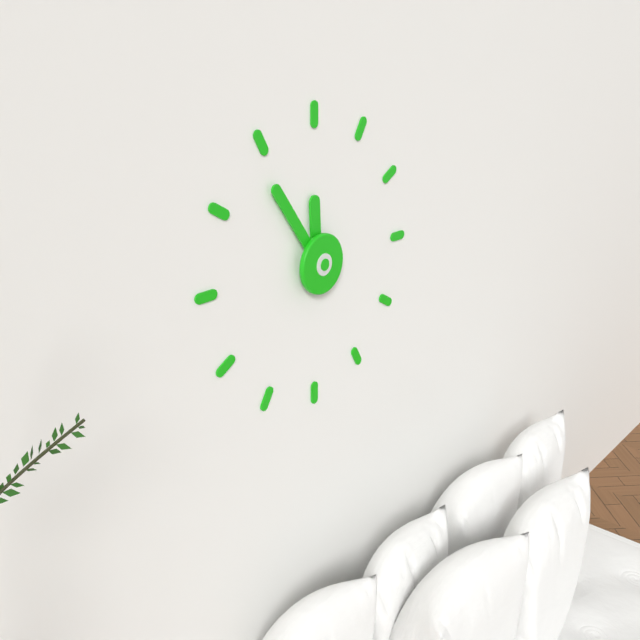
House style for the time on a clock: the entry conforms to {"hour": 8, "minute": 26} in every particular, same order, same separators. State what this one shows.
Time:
{"hour": 11, "minute": 54}
